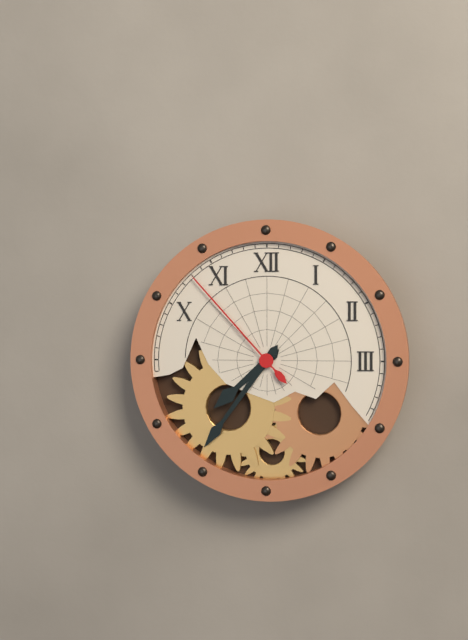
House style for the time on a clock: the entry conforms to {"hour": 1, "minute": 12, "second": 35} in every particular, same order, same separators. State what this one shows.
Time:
{"hour": 7, "minute": 36, "second": 53}
